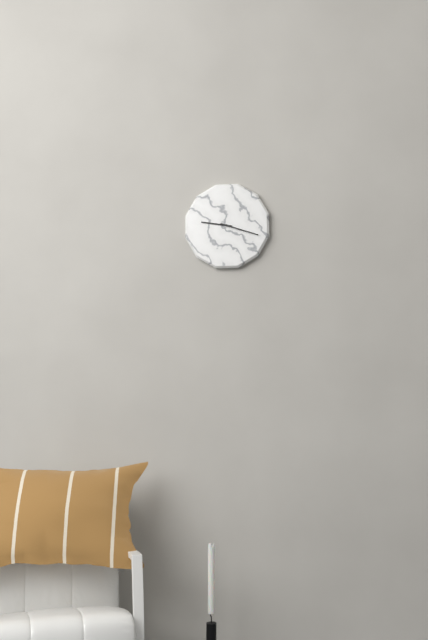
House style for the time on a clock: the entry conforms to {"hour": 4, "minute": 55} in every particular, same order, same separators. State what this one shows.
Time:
{"hour": 9, "minute": 18}
